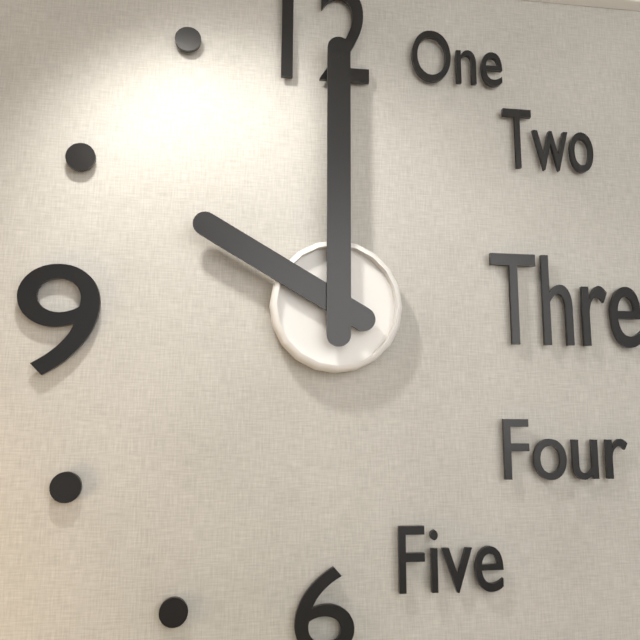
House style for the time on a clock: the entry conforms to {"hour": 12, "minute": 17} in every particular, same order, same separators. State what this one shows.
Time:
{"hour": 10, "minute": 0}
